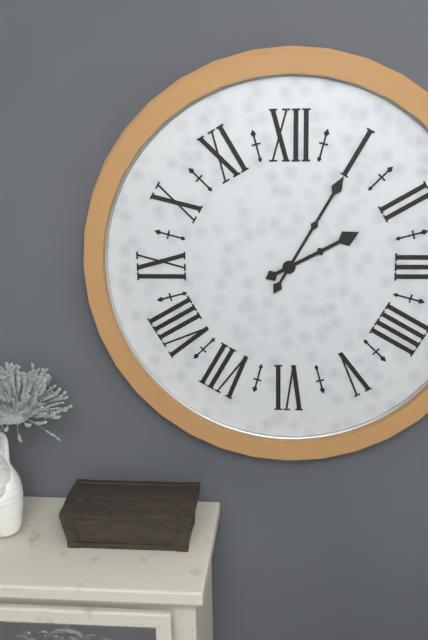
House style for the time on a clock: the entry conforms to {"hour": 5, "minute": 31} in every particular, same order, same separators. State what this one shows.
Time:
{"hour": 2, "minute": 5}
